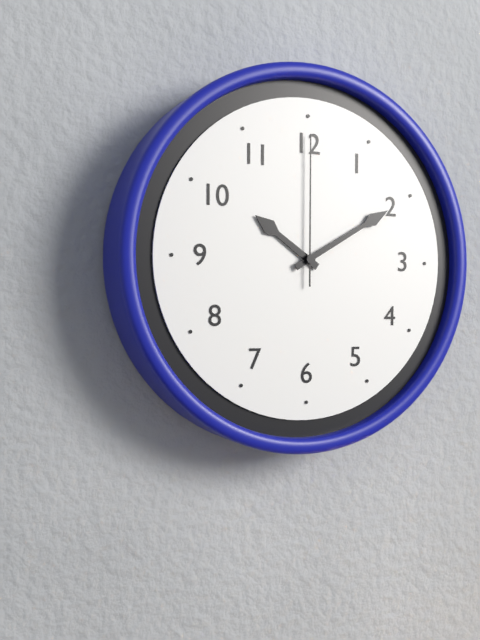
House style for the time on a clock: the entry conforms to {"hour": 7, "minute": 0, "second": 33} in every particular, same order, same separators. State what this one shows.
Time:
{"hour": 10, "minute": 10, "second": 0}
